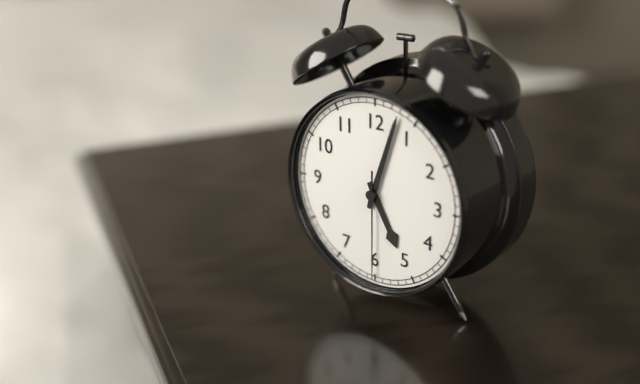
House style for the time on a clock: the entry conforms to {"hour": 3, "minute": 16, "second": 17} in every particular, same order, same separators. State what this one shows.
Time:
{"hour": 5, "minute": 3, "second": 30}
